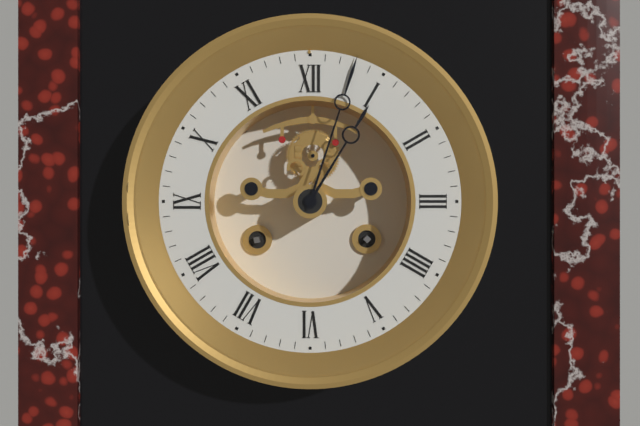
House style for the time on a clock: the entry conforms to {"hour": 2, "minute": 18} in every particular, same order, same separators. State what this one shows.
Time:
{"hour": 1, "minute": 3}
